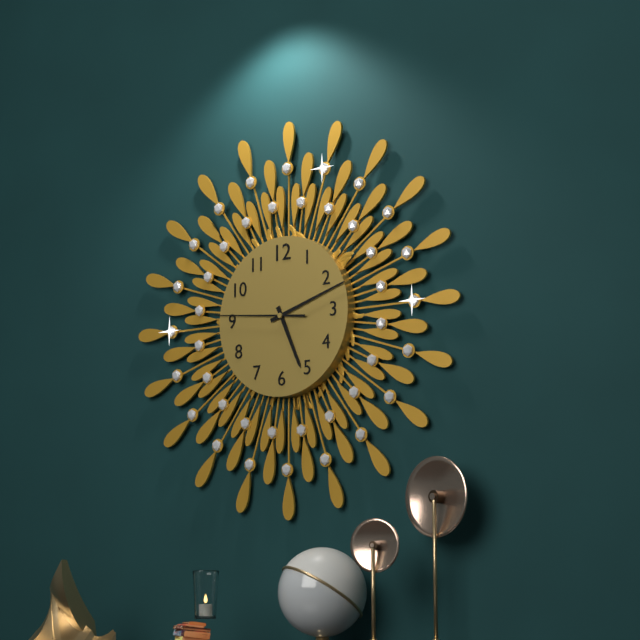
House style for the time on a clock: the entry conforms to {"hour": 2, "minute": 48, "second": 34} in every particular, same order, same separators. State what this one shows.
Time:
{"hour": 5, "minute": 12, "second": 46}
